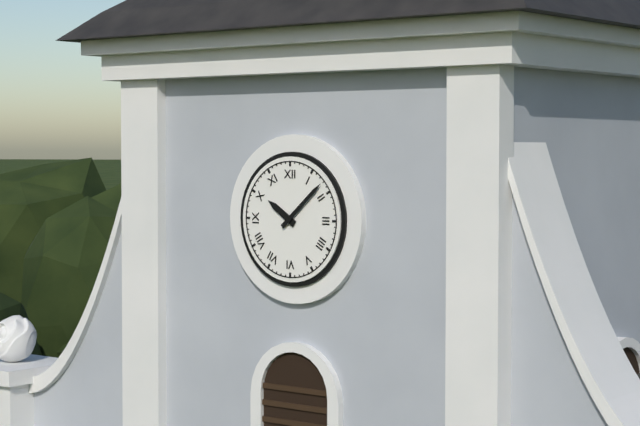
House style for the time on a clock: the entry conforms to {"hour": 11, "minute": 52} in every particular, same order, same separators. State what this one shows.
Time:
{"hour": 10, "minute": 8}
